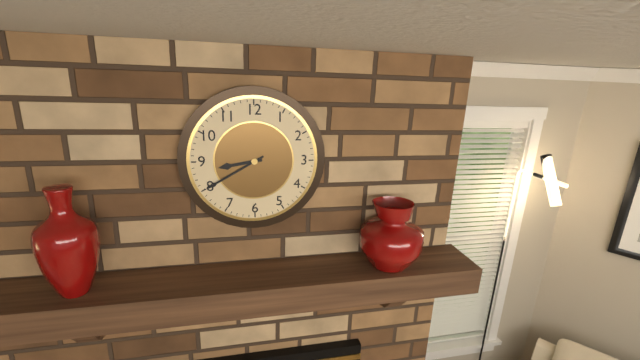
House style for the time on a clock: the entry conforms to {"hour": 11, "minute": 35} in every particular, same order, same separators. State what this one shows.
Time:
{"hour": 8, "minute": 40}
